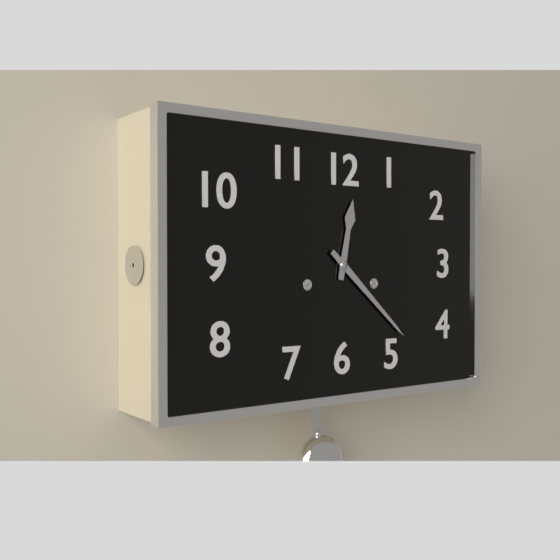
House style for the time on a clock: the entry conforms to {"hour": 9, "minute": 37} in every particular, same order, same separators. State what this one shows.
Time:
{"hour": 12, "minute": 22}
